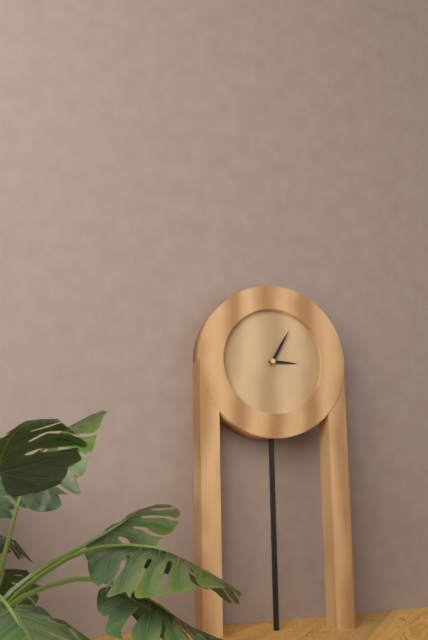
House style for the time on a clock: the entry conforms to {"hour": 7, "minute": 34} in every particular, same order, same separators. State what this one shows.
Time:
{"hour": 3, "minute": 5}
